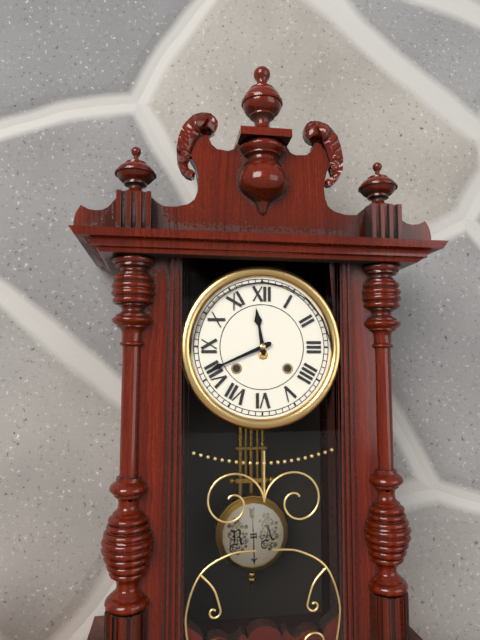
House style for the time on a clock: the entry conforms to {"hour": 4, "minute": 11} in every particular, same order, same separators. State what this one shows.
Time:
{"hour": 11, "minute": 41}
